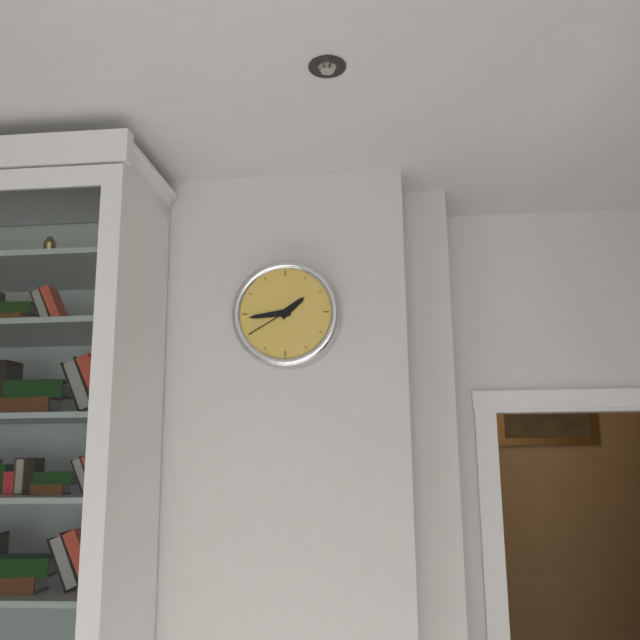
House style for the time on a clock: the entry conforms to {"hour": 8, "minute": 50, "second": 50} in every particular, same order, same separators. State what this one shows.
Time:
{"hour": 1, "minute": 44, "second": 40}
